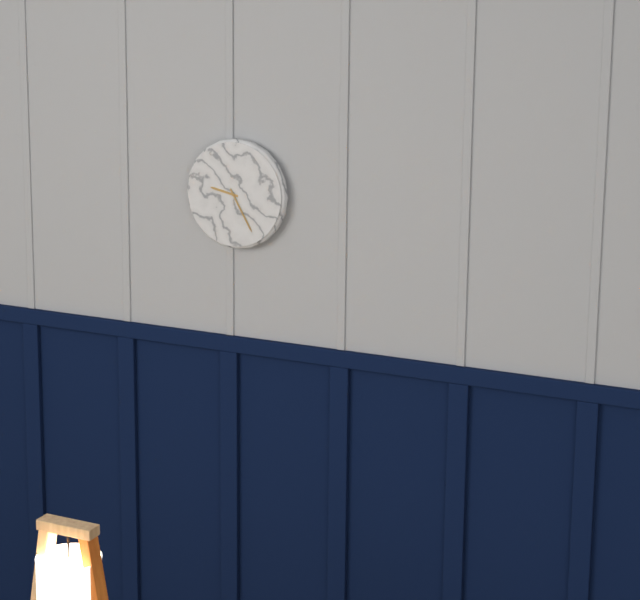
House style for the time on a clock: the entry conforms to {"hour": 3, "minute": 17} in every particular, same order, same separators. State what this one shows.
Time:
{"hour": 9, "minute": 25}
